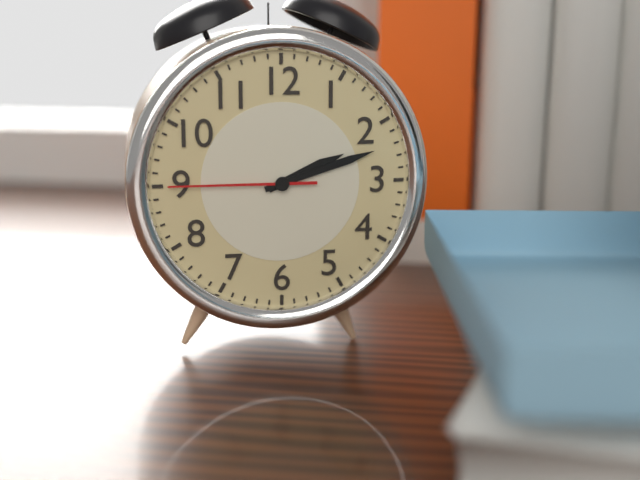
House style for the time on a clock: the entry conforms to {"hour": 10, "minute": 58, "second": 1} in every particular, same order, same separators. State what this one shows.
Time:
{"hour": 2, "minute": 12, "second": 45}
